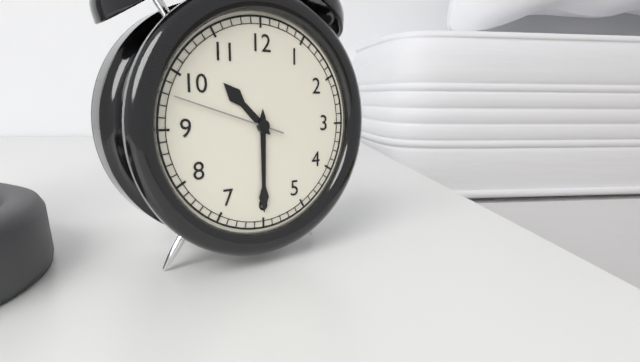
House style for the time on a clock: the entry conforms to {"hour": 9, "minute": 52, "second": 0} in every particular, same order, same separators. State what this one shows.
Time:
{"hour": 10, "minute": 30, "second": 48}
